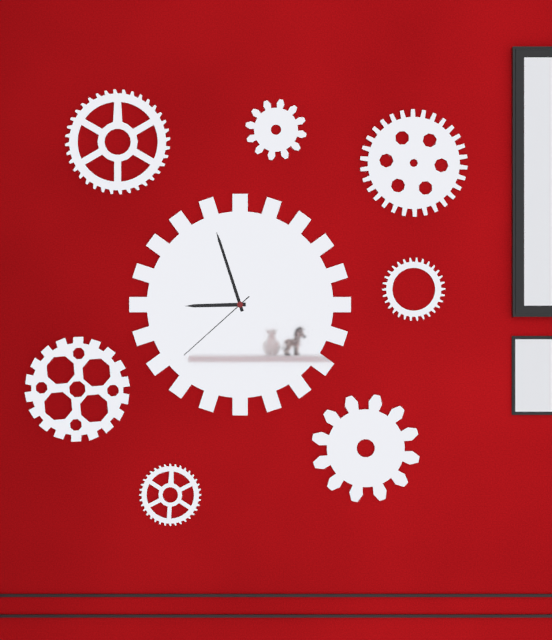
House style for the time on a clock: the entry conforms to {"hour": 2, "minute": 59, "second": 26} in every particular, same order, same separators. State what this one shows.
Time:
{"hour": 8, "minute": 57, "second": 38}
